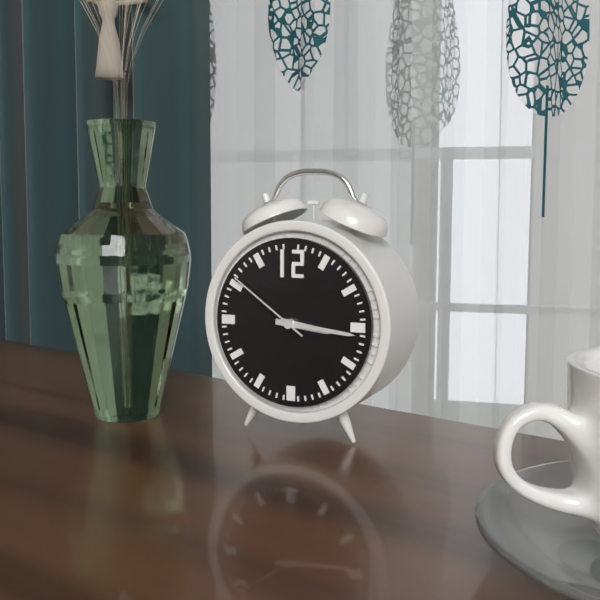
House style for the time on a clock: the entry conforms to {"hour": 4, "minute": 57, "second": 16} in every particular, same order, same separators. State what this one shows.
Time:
{"hour": 3, "minute": 16, "second": 51}
